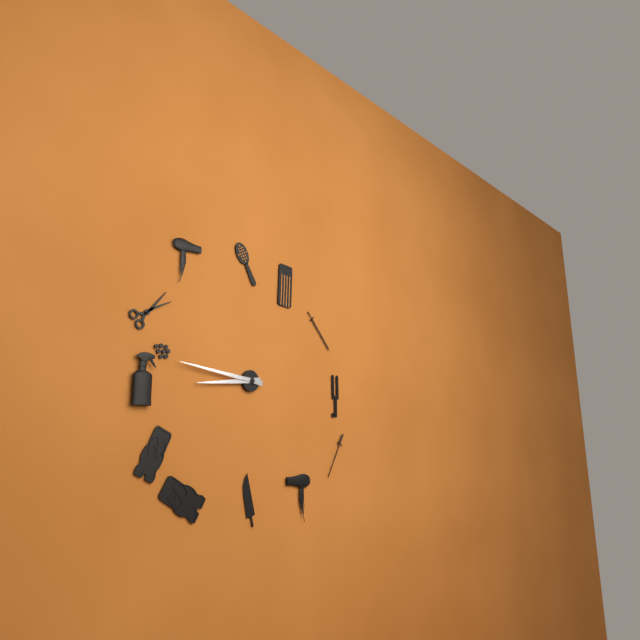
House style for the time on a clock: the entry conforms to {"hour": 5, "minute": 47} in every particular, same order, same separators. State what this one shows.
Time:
{"hour": 8, "minute": 46}
